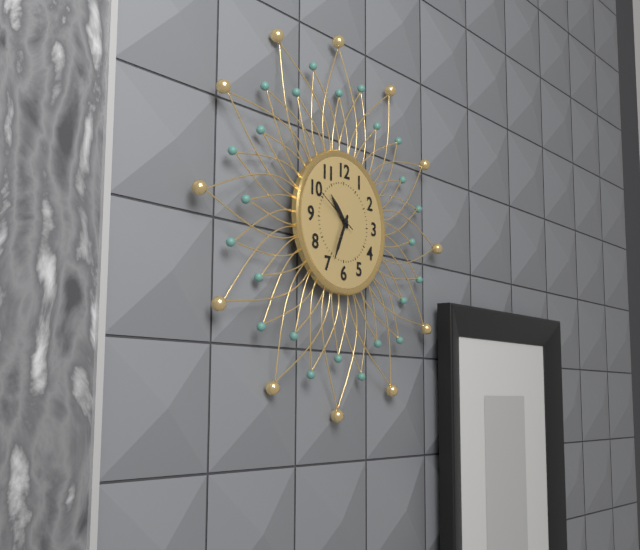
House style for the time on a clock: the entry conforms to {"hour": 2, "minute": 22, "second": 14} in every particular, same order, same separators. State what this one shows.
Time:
{"hour": 10, "minute": 34, "second": 50}
